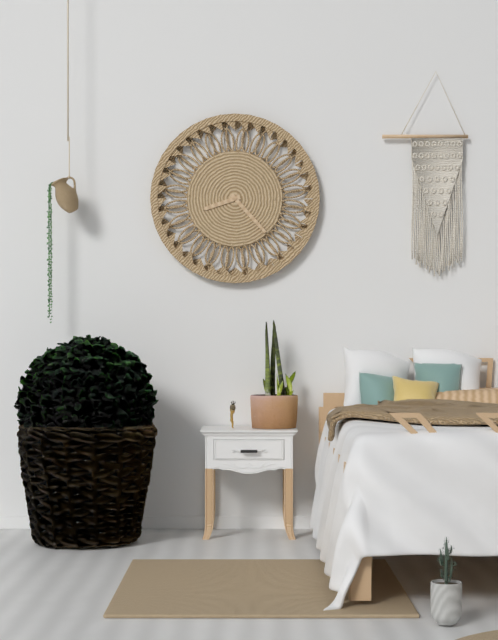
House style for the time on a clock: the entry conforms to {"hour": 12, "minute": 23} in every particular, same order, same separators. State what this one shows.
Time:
{"hour": 8, "minute": 23}
